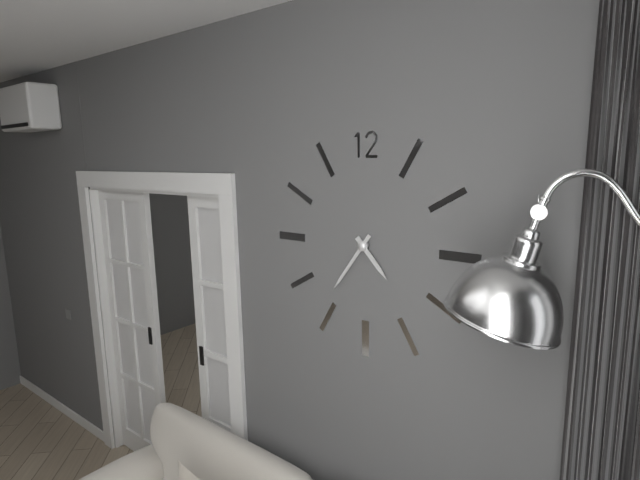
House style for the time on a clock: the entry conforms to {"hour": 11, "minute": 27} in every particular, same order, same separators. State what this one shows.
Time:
{"hour": 4, "minute": 36}
